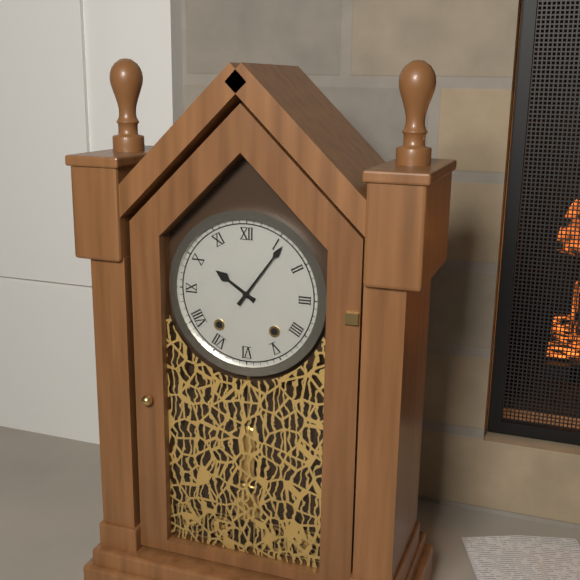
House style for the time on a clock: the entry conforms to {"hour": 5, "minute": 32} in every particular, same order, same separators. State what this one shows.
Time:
{"hour": 10, "minute": 6}
